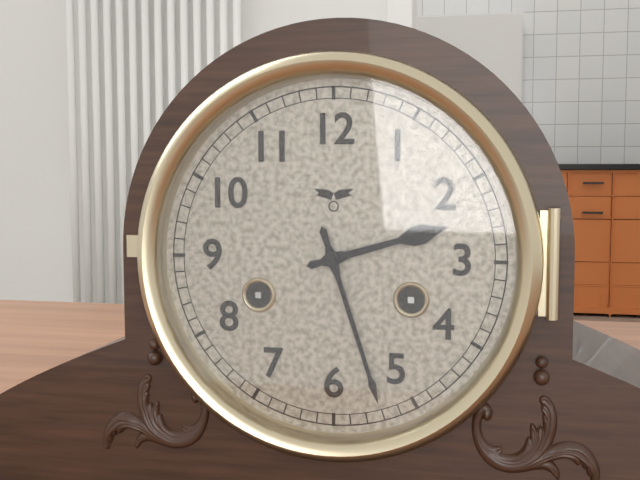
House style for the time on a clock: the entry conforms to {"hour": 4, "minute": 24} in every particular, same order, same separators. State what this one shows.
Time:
{"hour": 2, "minute": 27}
